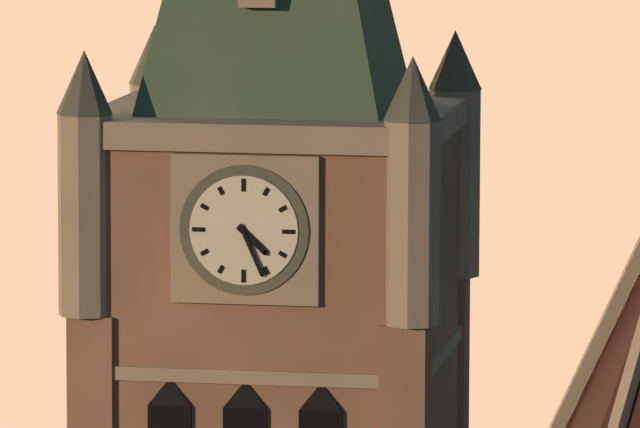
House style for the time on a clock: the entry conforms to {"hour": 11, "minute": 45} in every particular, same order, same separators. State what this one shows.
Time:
{"hour": 4, "minute": 26}
